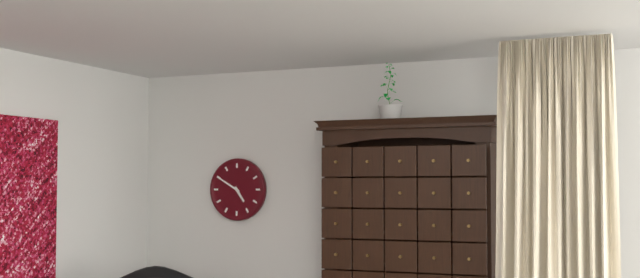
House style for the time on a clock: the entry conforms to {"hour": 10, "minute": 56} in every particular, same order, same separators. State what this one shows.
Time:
{"hour": 4, "minute": 50}
